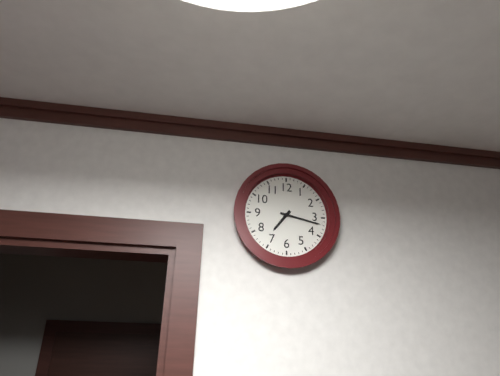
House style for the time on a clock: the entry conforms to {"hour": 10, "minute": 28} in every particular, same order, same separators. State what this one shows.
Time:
{"hour": 7, "minute": 17}
